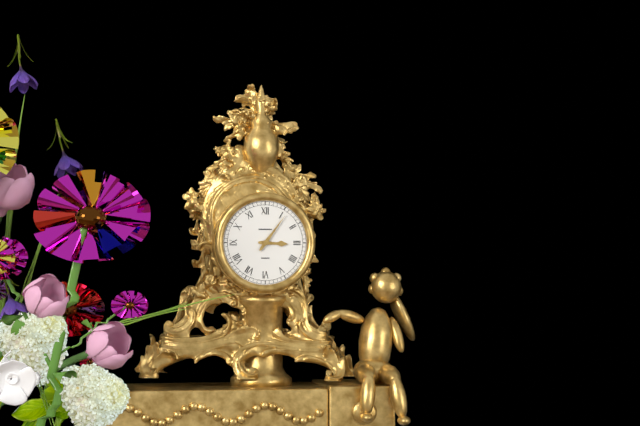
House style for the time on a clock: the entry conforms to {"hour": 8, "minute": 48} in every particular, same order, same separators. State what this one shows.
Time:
{"hour": 3, "minute": 6}
